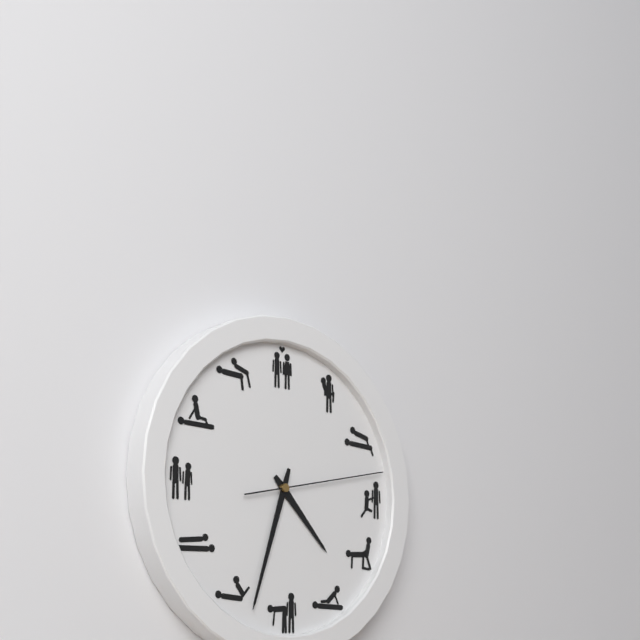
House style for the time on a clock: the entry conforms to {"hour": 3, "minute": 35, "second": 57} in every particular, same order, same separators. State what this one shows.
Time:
{"hour": 4, "minute": 33, "second": 13}
